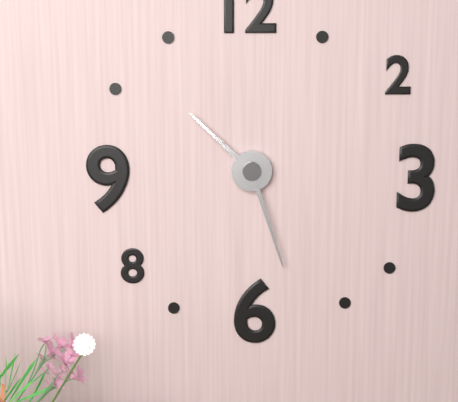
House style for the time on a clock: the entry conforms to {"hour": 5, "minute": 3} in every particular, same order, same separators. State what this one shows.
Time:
{"hour": 10, "minute": 27}
